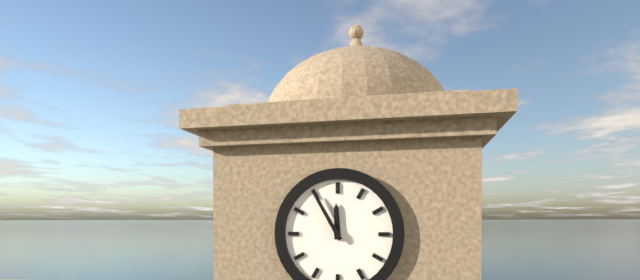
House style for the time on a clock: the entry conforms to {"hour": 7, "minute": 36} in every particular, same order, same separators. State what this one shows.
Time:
{"hour": 11, "minute": 55}
